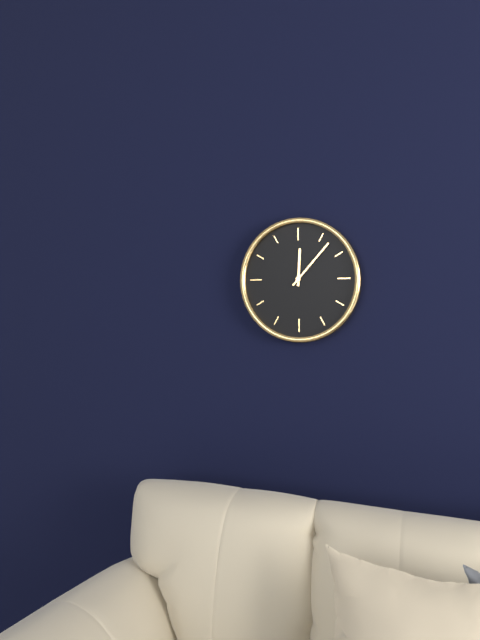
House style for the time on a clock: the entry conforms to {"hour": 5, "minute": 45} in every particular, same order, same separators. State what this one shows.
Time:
{"hour": 12, "minute": 7}
